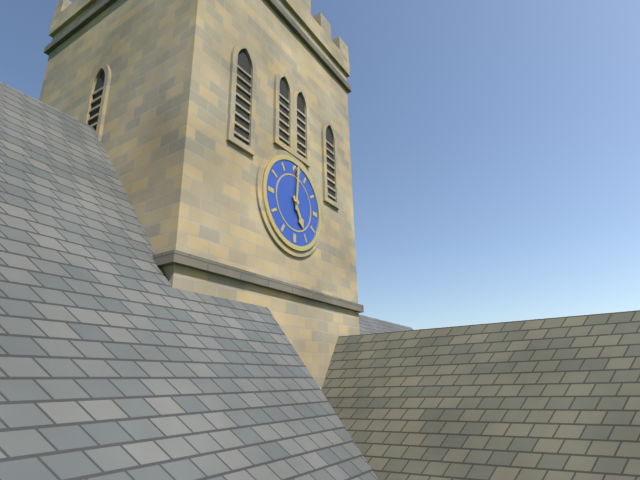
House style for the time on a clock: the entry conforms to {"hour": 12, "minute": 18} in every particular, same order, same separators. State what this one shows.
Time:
{"hour": 5, "minute": 1}
